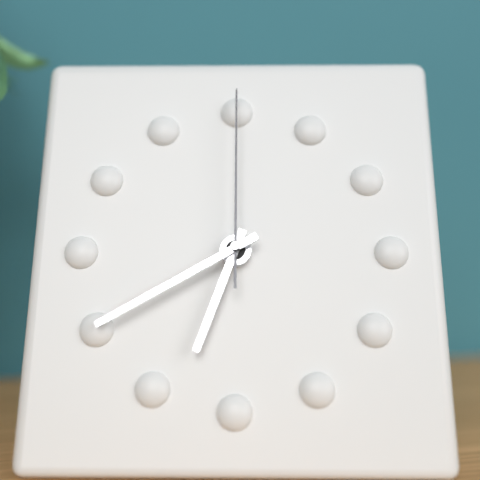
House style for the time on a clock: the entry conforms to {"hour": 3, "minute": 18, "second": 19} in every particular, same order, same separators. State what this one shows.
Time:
{"hour": 6, "minute": 40, "second": 0}
